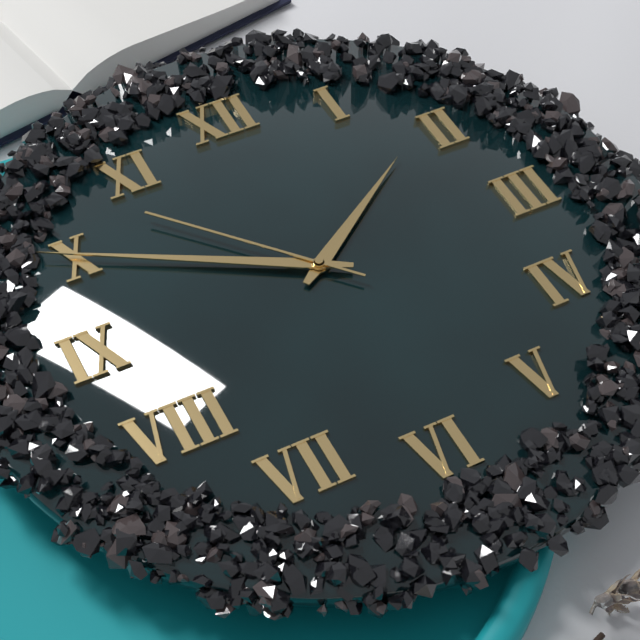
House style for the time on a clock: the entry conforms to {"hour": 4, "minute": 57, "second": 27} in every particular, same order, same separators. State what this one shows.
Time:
{"hour": 1, "minute": 50, "second": 53}
